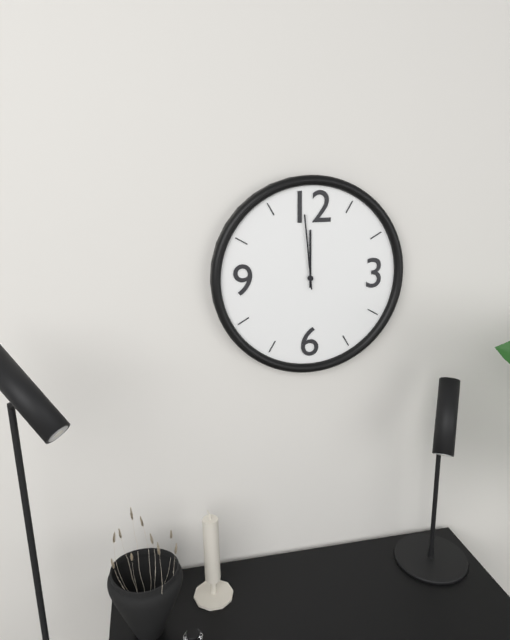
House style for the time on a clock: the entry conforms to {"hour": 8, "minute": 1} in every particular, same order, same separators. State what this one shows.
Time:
{"hour": 11, "minute": 59}
